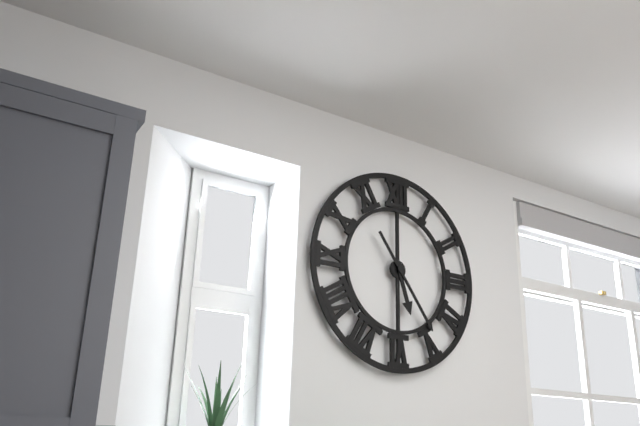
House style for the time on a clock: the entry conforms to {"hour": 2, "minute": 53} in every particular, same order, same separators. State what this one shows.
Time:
{"hour": 5, "minute": 24}
